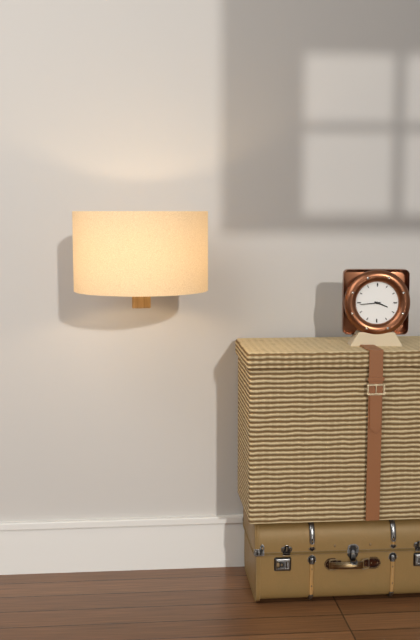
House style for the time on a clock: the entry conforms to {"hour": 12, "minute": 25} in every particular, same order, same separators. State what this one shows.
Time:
{"hour": 3, "minute": 44}
